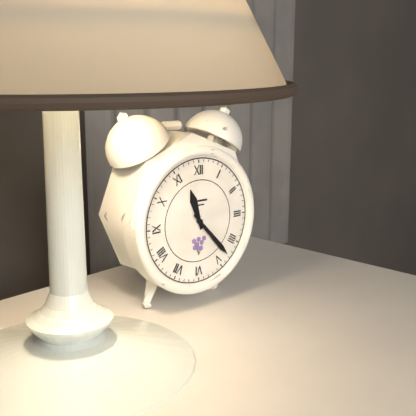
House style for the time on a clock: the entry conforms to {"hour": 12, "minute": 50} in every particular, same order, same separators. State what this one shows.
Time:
{"hour": 11, "minute": 23}
